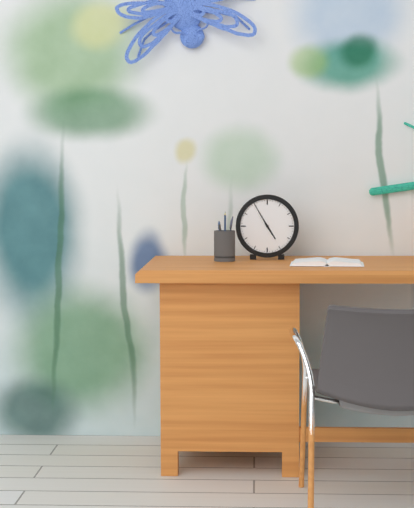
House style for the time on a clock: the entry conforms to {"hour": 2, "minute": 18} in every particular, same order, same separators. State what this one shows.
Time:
{"hour": 4, "minute": 55}
